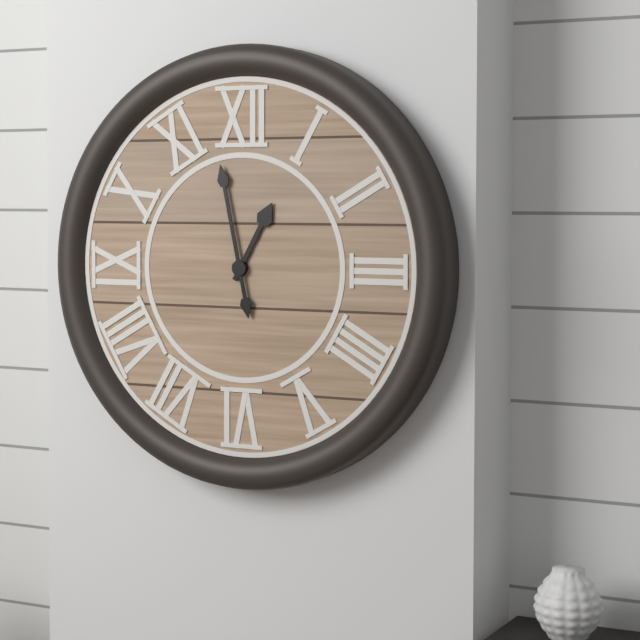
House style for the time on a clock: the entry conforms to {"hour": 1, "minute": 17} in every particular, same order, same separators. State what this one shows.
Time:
{"hour": 12, "minute": 58}
